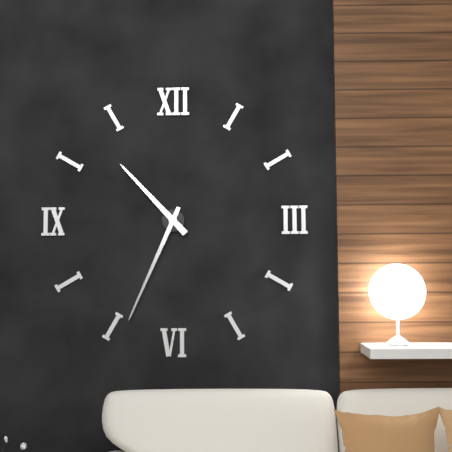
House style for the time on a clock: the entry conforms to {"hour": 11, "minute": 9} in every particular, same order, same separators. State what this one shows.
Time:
{"hour": 10, "minute": 34}
